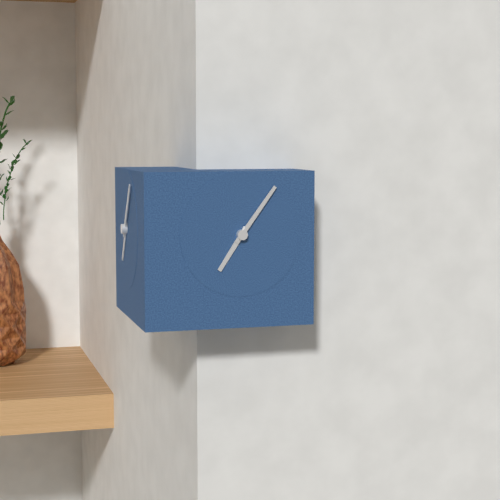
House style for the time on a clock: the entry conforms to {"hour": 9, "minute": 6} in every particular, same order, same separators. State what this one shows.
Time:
{"hour": 7, "minute": 6}
